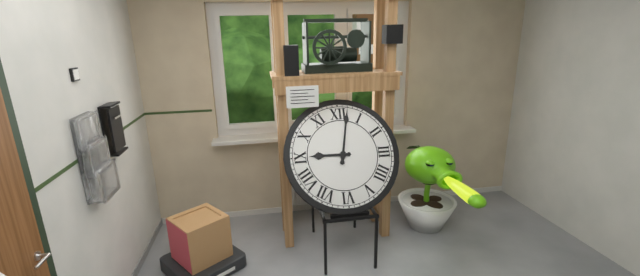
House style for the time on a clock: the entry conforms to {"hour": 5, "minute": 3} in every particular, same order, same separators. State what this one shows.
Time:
{"hour": 9, "minute": 2}
